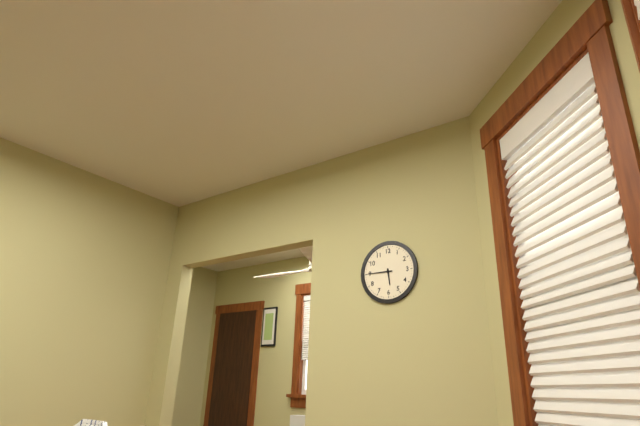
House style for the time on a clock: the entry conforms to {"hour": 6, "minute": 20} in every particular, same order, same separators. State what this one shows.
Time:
{"hour": 5, "minute": 45}
